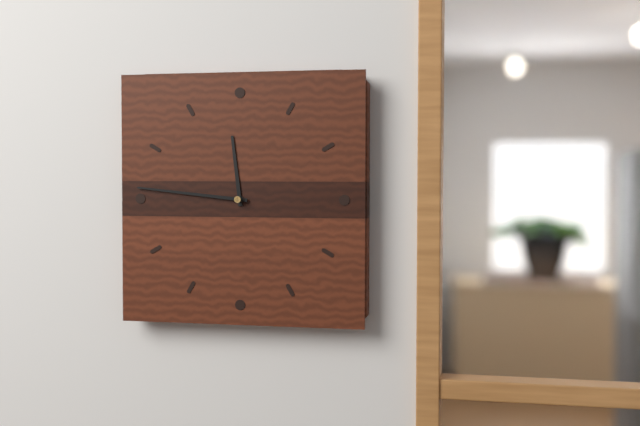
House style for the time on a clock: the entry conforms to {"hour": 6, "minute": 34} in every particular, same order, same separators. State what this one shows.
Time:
{"hour": 11, "minute": 46}
